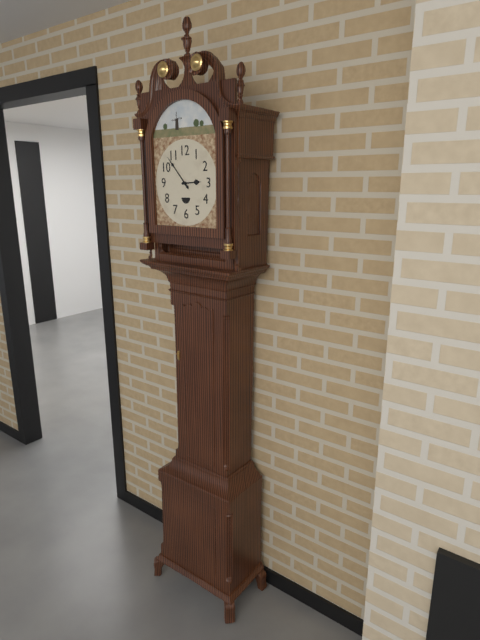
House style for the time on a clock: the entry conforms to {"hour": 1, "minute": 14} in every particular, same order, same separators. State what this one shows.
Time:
{"hour": 2, "minute": 53}
